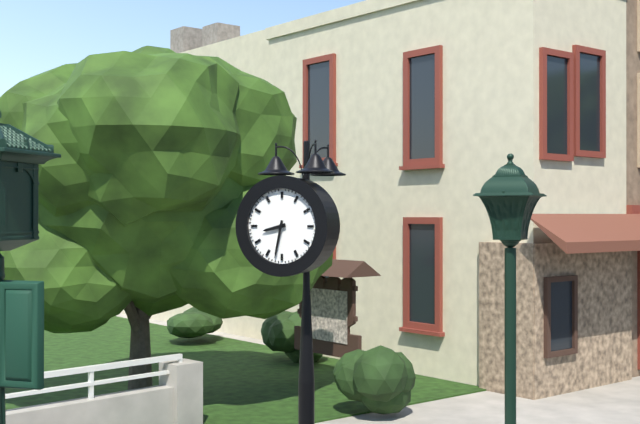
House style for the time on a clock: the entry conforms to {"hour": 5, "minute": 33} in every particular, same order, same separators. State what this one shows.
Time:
{"hour": 8, "minute": 32}
